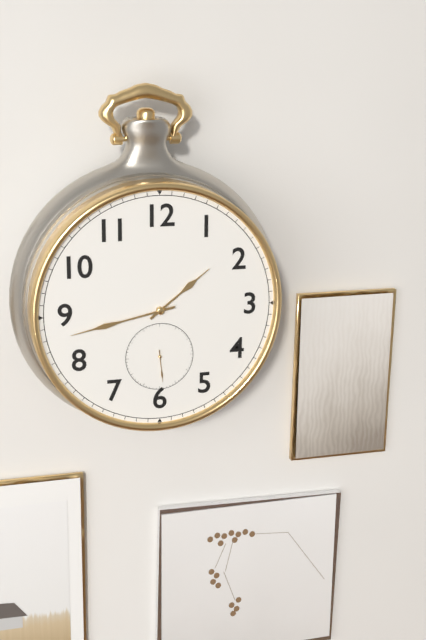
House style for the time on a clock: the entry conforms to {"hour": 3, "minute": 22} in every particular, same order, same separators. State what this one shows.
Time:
{"hour": 1, "minute": 43}
